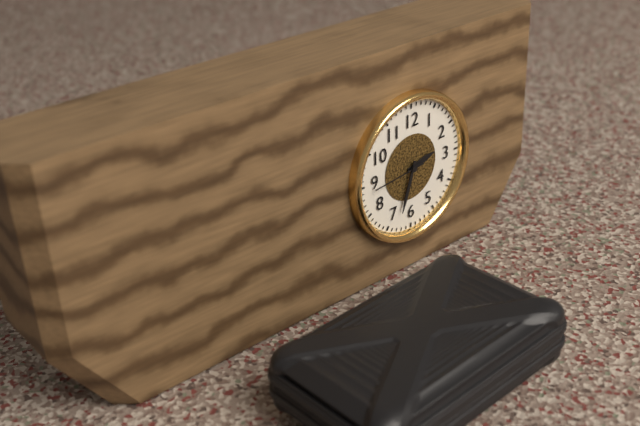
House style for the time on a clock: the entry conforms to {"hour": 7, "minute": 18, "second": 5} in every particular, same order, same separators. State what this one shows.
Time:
{"hour": 2, "minute": 33, "second": 44}
